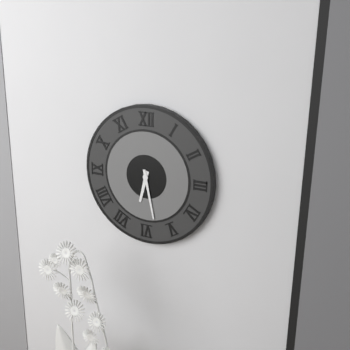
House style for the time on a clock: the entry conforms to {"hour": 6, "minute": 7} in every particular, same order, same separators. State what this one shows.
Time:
{"hour": 6, "minute": 28}
